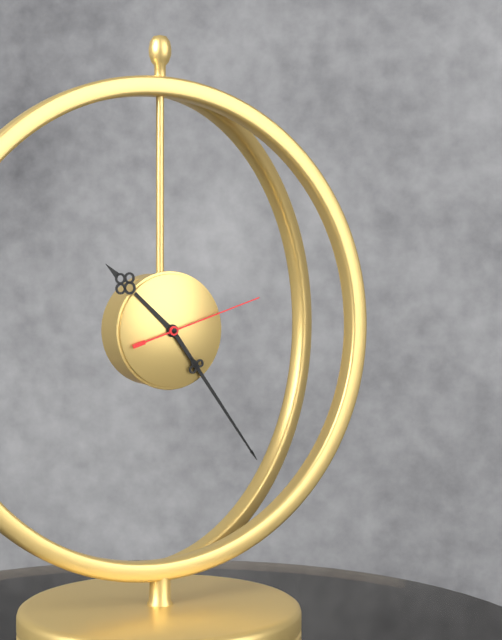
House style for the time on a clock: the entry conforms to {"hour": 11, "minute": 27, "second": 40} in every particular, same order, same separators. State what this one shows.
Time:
{"hour": 10, "minute": 24, "second": 12}
